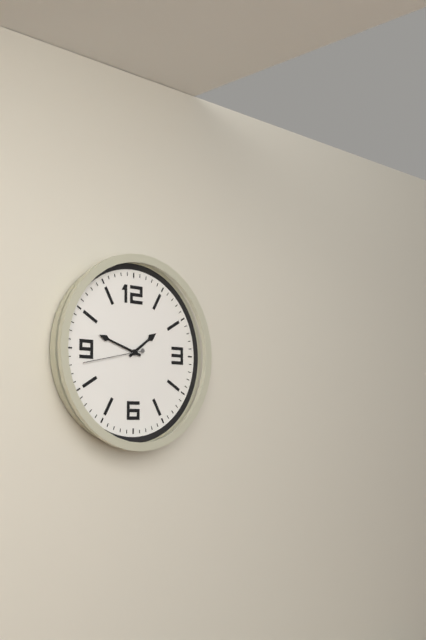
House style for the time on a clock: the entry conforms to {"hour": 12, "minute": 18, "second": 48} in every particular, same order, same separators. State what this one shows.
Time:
{"hour": 1, "minute": 48, "second": 43}
